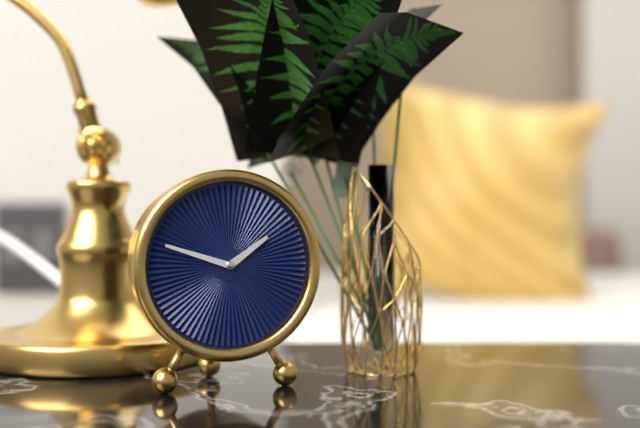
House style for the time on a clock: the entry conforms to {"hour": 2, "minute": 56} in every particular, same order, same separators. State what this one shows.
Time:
{"hour": 1, "minute": 48}
